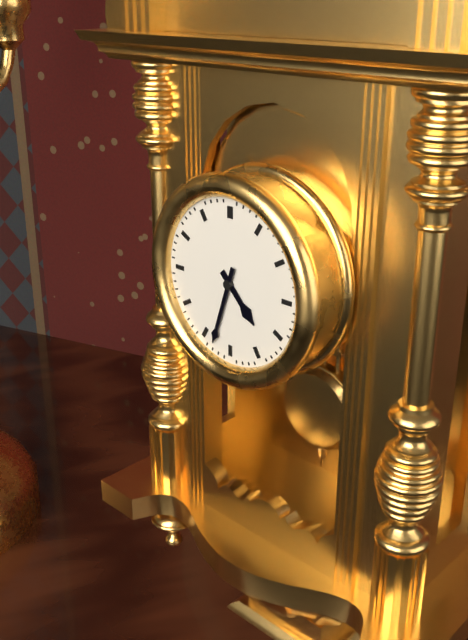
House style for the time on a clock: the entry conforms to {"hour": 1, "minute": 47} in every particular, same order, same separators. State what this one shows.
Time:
{"hour": 4, "minute": 33}
